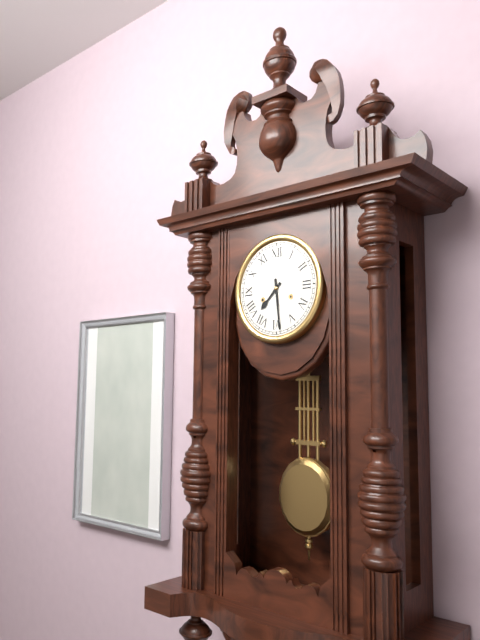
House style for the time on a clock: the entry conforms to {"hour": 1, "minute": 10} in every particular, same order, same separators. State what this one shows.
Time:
{"hour": 7, "minute": 29}
